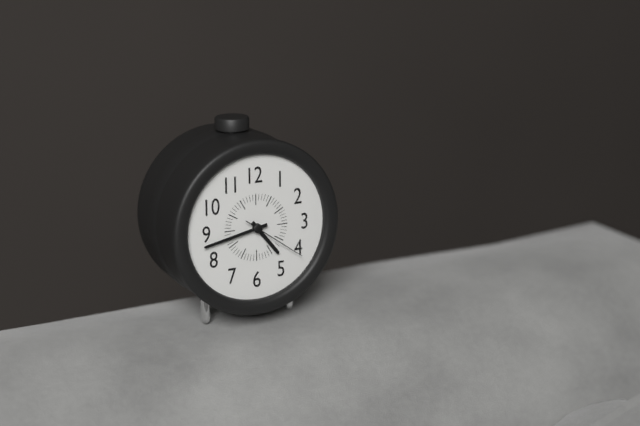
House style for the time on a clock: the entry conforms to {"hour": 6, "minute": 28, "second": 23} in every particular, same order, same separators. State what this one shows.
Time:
{"hour": 4, "minute": 43, "second": 21}
